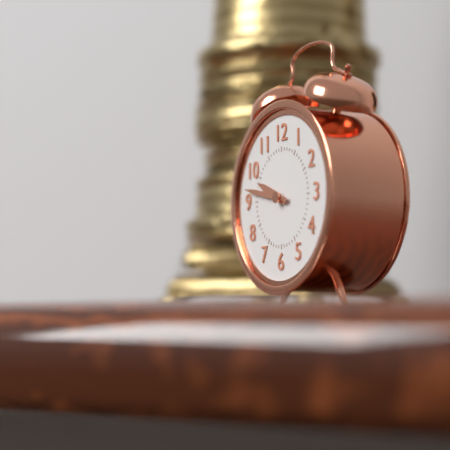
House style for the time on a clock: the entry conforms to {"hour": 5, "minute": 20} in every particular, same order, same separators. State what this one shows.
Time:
{"hour": 9, "minute": 47}
